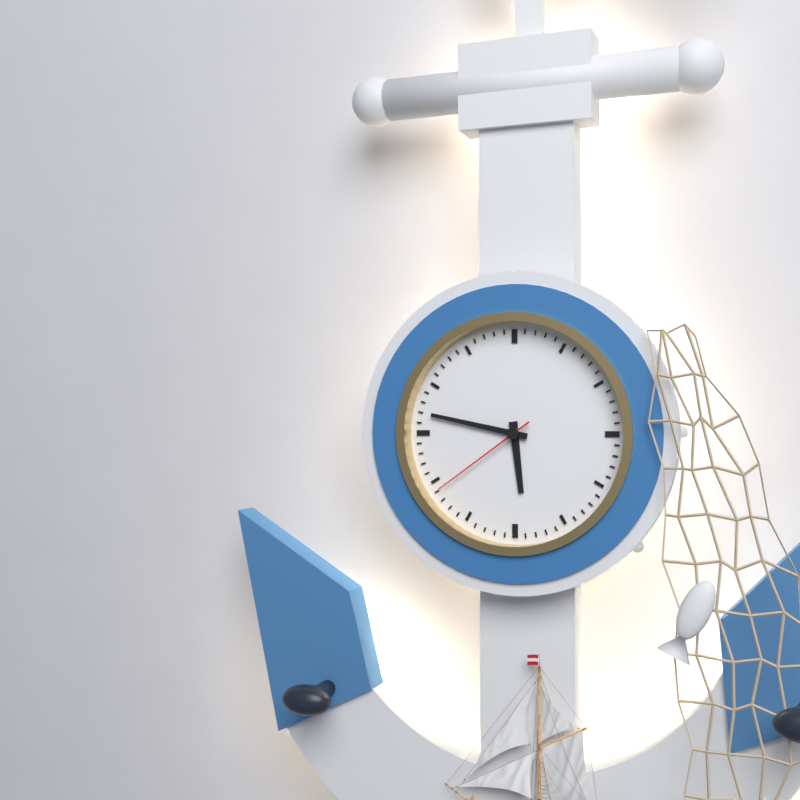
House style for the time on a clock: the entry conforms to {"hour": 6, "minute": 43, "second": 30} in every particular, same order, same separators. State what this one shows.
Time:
{"hour": 5, "minute": 47, "second": 39}
